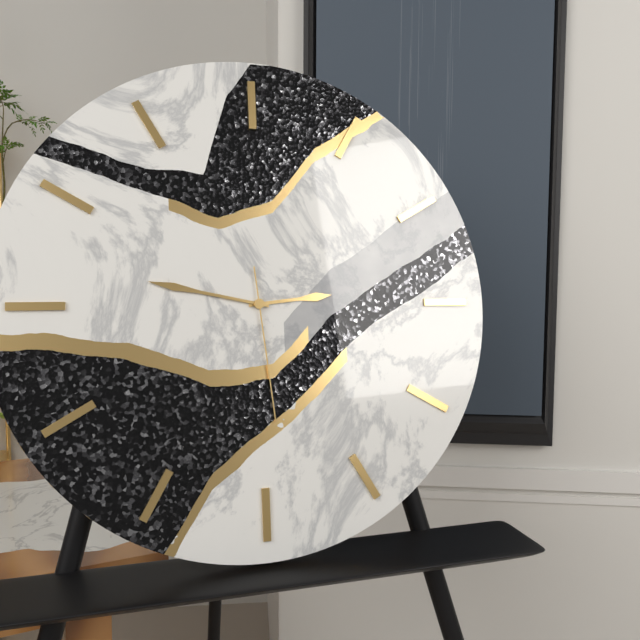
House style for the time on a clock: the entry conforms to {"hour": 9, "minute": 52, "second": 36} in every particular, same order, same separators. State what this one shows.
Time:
{"hour": 2, "minute": 47, "second": 29}
